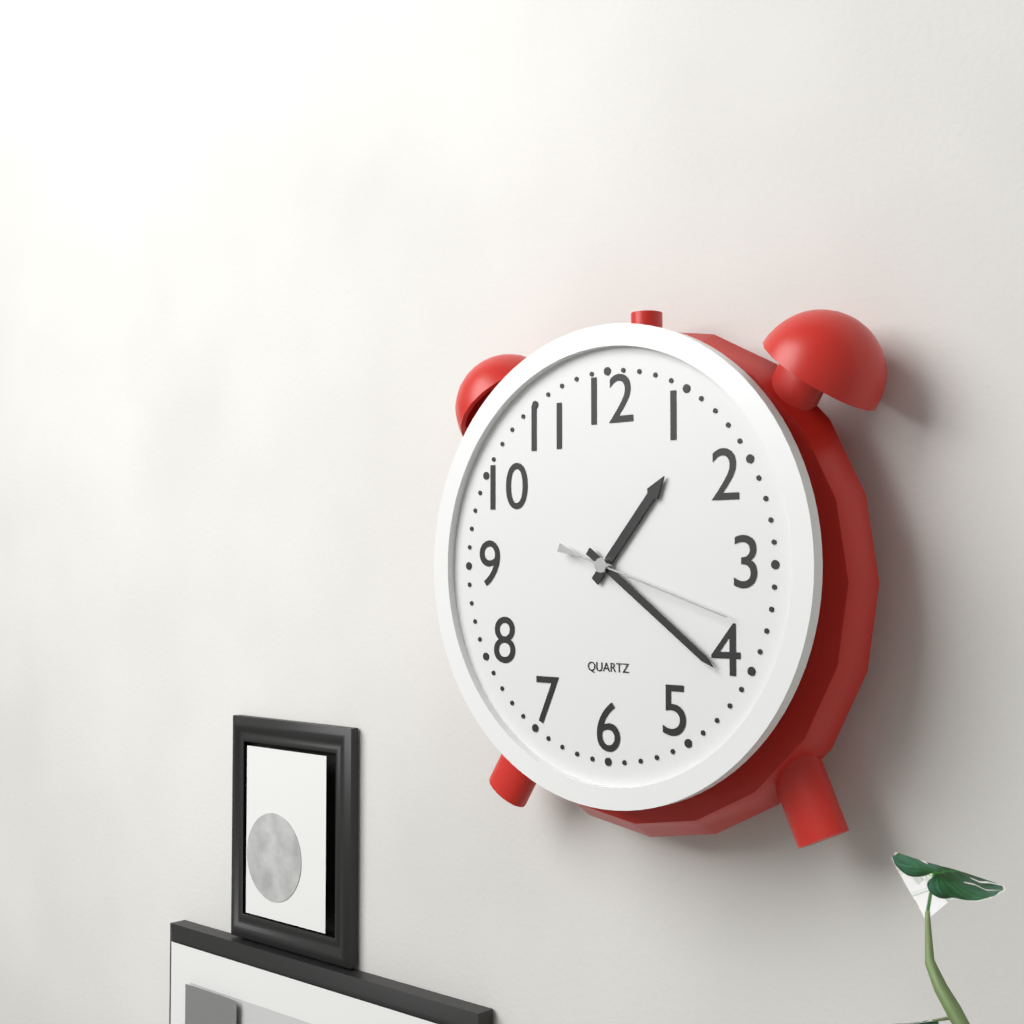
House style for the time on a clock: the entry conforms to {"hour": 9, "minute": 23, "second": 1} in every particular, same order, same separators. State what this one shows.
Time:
{"hour": 1, "minute": 21, "second": 18}
